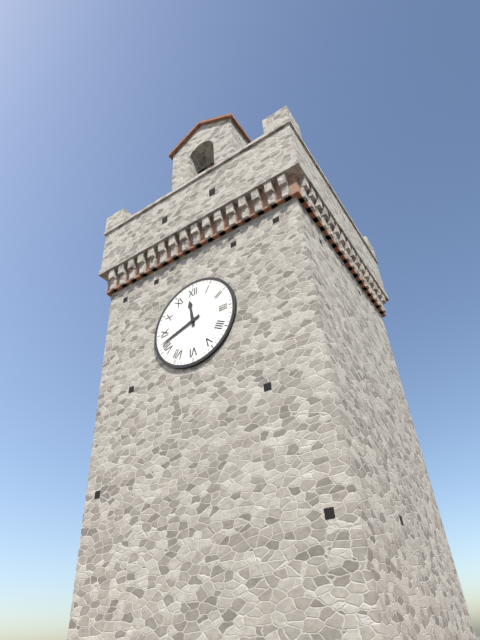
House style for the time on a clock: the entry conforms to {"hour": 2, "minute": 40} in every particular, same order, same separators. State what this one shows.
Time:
{"hour": 11, "minute": 42}
